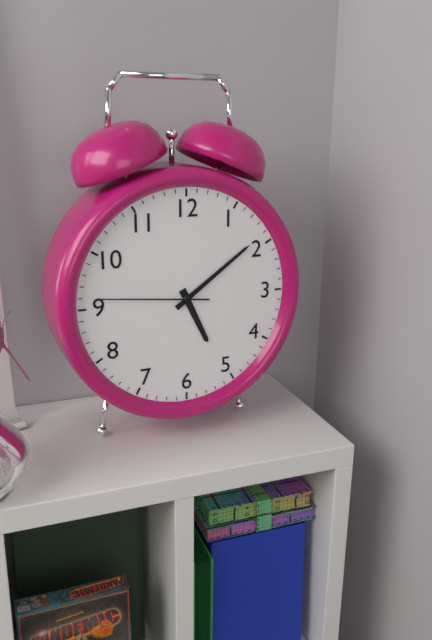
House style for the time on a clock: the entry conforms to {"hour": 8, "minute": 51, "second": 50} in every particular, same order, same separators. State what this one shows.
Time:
{"hour": 5, "minute": 9, "second": 46}
